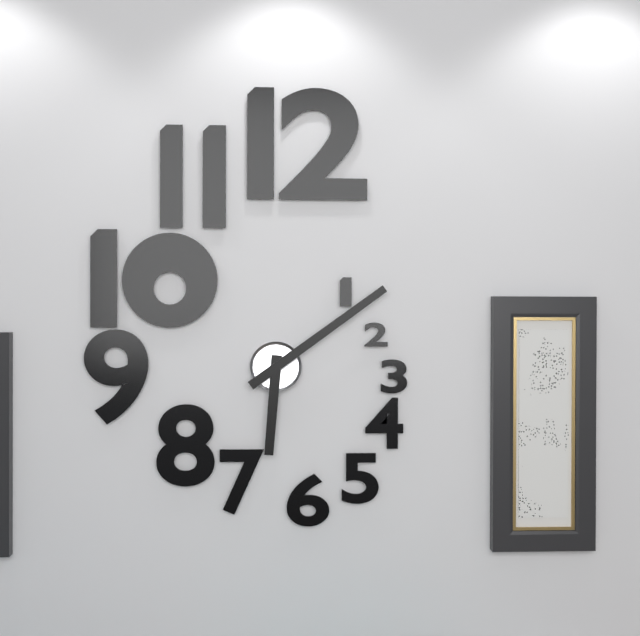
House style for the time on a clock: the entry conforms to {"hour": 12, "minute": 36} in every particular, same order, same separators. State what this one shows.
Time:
{"hour": 6, "minute": 9}
